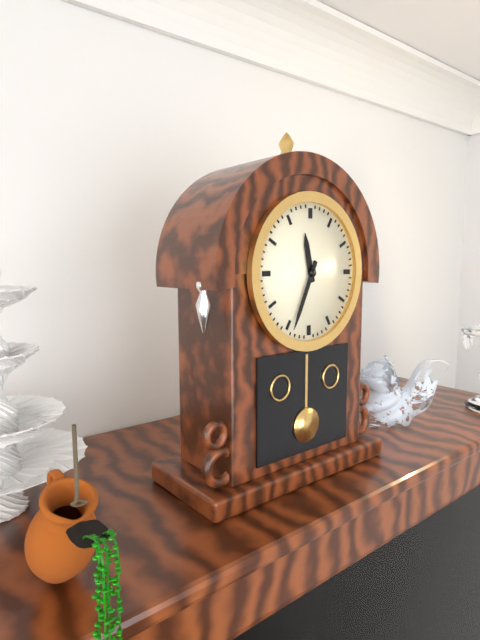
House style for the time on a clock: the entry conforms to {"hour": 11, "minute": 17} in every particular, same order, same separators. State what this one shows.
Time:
{"hour": 11, "minute": 34}
